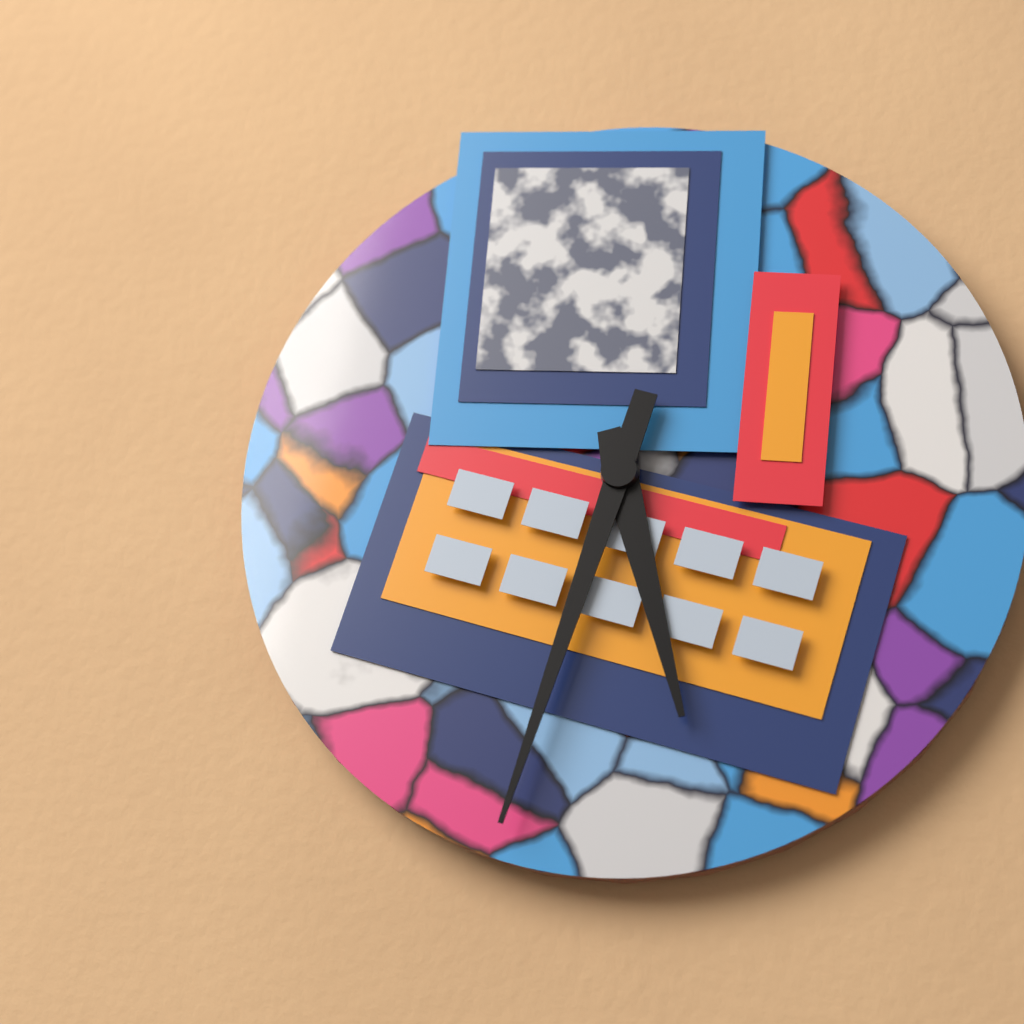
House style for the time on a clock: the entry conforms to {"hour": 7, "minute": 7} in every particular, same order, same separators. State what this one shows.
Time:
{"hour": 5, "minute": 33}
